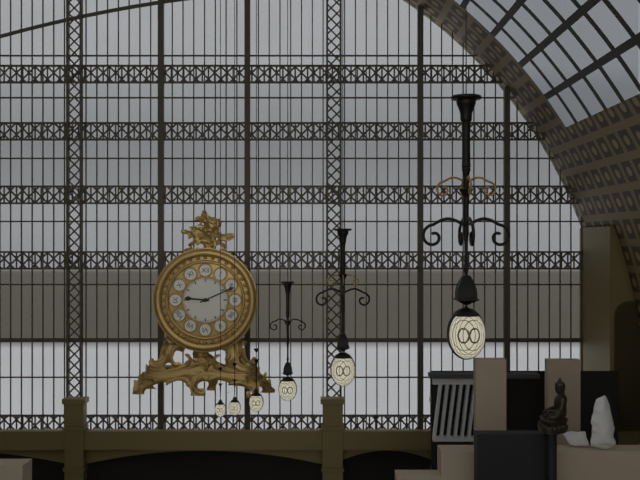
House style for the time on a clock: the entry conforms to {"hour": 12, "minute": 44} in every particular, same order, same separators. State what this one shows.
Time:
{"hour": 9, "minute": 11}
